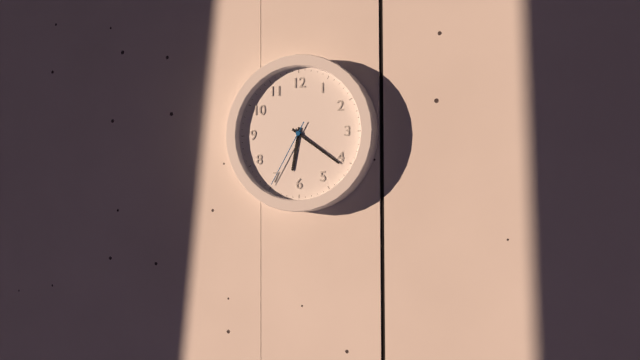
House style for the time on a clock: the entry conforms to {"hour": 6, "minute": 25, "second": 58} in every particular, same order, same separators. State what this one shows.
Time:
{"hour": 6, "minute": 21, "second": 35}
